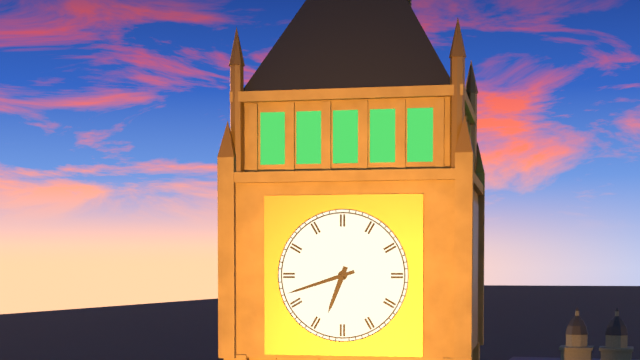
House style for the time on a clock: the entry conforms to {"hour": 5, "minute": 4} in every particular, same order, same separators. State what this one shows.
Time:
{"hour": 6, "minute": 42}
